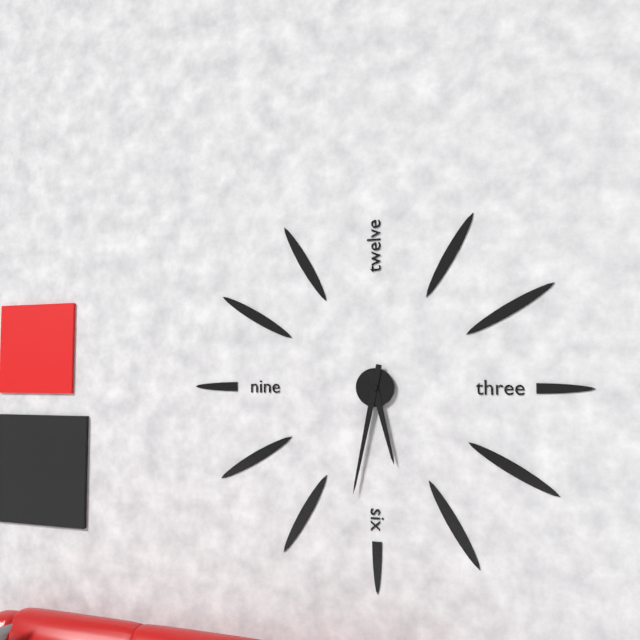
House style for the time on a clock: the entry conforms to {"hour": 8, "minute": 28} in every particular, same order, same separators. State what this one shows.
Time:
{"hour": 5, "minute": 32}
